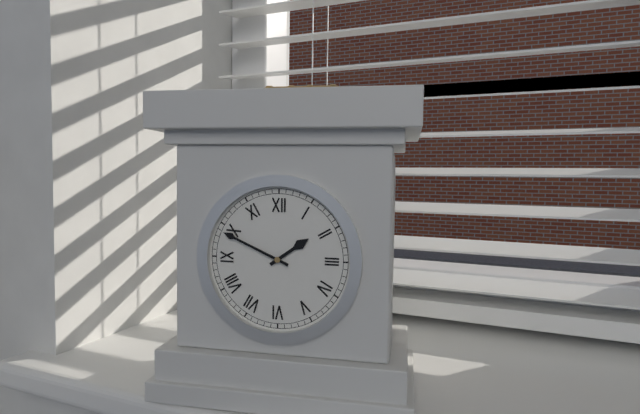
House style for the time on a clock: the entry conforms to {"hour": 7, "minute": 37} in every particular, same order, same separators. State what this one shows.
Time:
{"hour": 1, "minute": 49}
